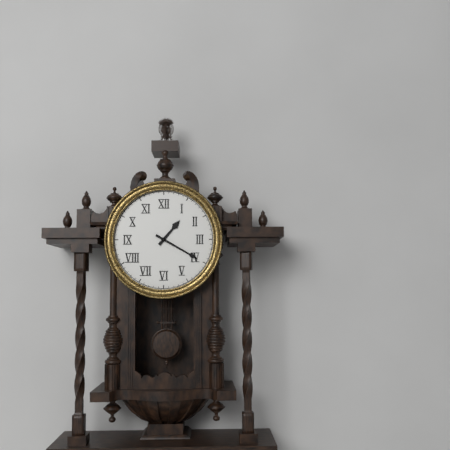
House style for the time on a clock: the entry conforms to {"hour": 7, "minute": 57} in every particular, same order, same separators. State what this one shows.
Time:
{"hour": 1, "minute": 20}
